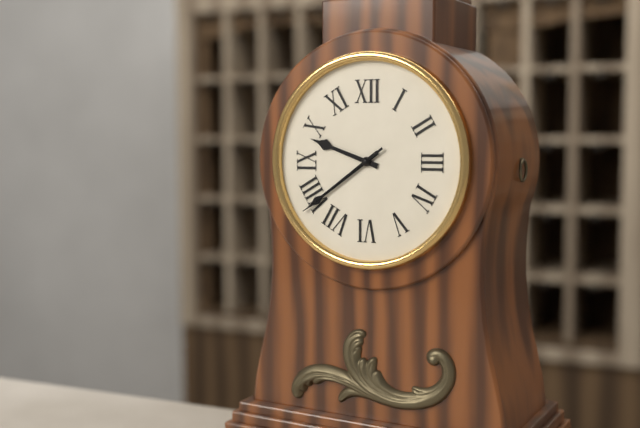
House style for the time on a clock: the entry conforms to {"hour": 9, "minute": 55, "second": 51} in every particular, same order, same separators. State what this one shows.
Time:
{"hour": 9, "minute": 39, "second": 39}
